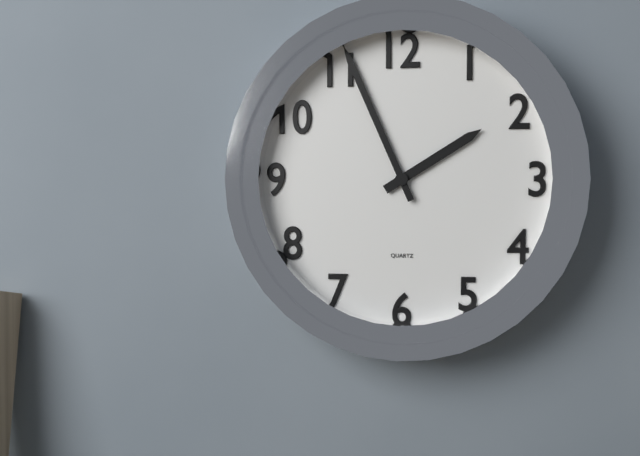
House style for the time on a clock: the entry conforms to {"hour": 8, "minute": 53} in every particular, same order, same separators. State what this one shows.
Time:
{"hour": 1, "minute": 56}
